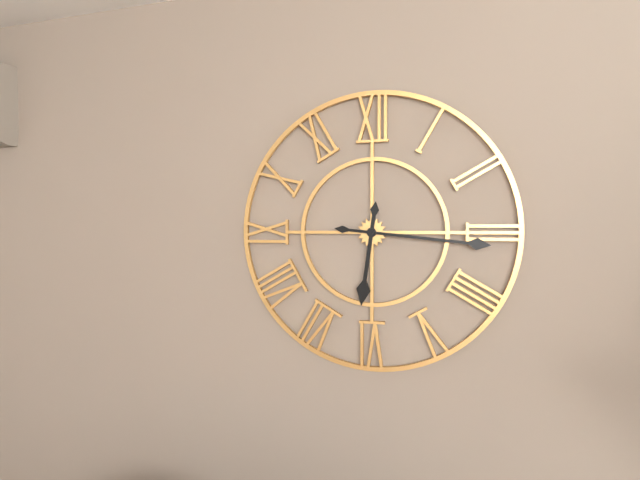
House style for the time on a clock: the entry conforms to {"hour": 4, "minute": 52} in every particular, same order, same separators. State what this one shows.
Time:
{"hour": 6, "minute": 16}
